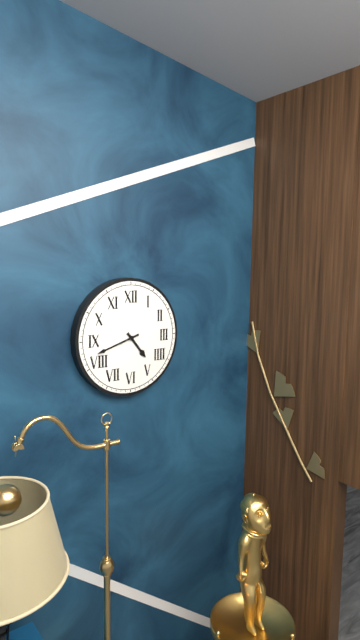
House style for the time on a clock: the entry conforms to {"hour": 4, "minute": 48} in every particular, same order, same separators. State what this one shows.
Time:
{"hour": 4, "minute": 42}
